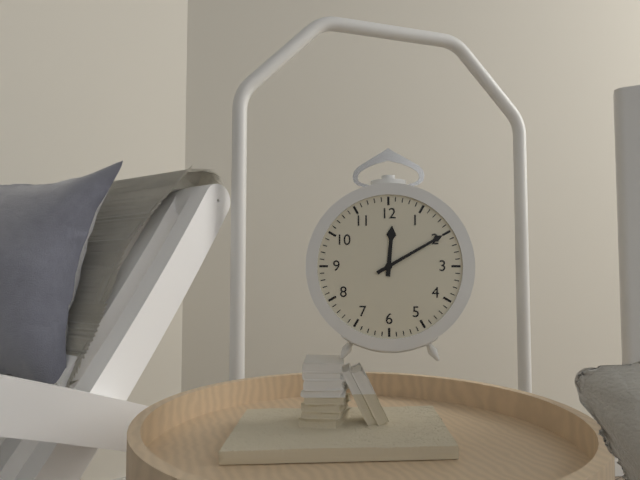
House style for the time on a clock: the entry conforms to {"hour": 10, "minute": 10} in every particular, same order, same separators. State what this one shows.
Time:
{"hour": 12, "minute": 10}
